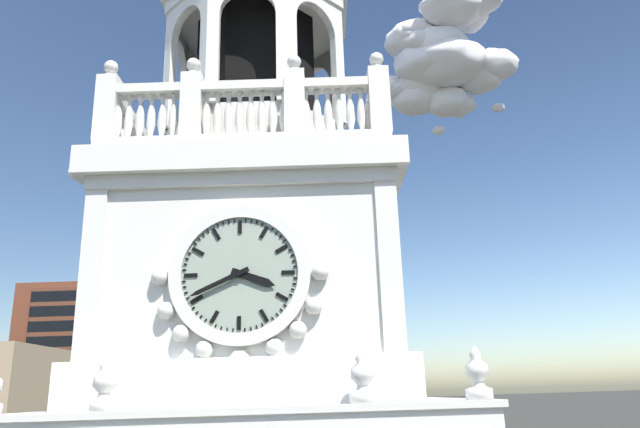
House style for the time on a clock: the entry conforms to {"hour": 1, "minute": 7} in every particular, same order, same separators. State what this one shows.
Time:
{"hour": 3, "minute": 41}
